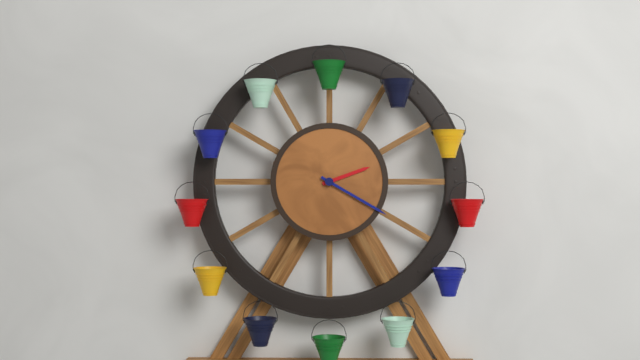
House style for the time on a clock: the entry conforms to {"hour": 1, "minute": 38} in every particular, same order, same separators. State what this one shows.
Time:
{"hour": 2, "minute": 20}
